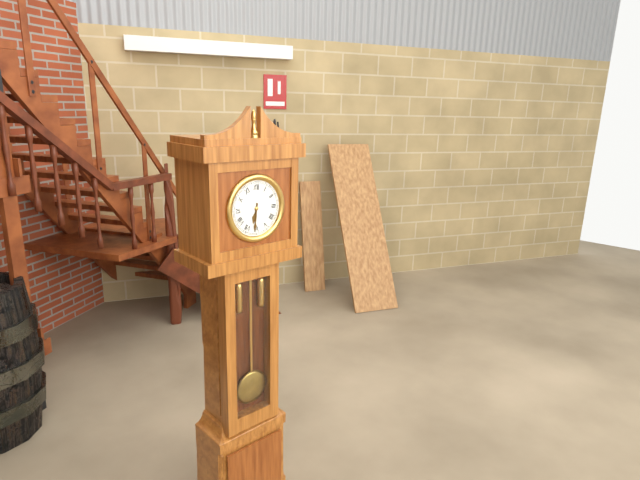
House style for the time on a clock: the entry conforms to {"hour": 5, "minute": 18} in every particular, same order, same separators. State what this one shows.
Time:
{"hour": 6, "minute": 31}
